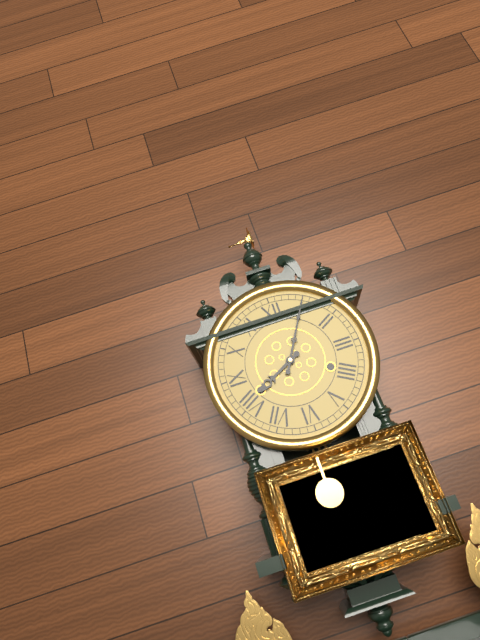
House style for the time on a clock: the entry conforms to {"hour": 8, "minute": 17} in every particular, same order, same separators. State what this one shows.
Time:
{"hour": 8, "minute": 5}
